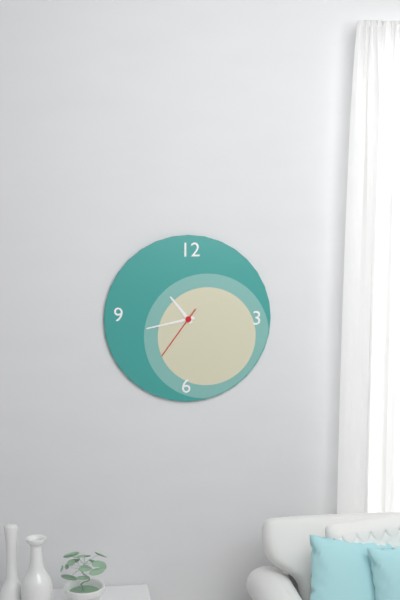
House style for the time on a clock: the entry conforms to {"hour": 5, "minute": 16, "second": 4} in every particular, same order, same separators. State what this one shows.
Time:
{"hour": 10, "minute": 43, "second": 36}
